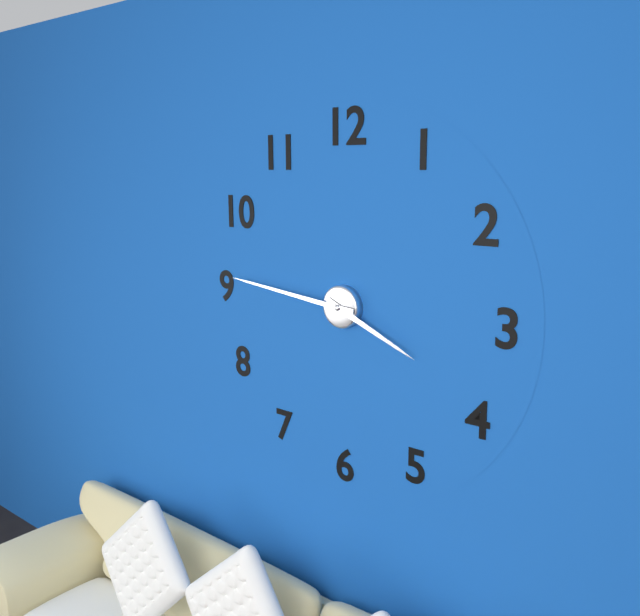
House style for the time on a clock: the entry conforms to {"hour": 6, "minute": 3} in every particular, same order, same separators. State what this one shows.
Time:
{"hour": 3, "minute": 46}
